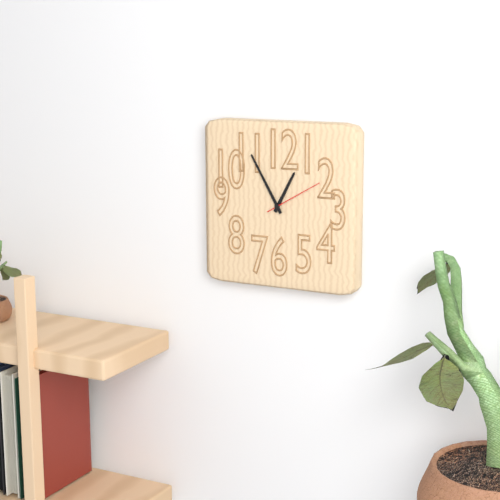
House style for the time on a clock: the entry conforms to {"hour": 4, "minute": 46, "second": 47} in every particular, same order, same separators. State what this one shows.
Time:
{"hour": 12, "minute": 55, "second": 10}
